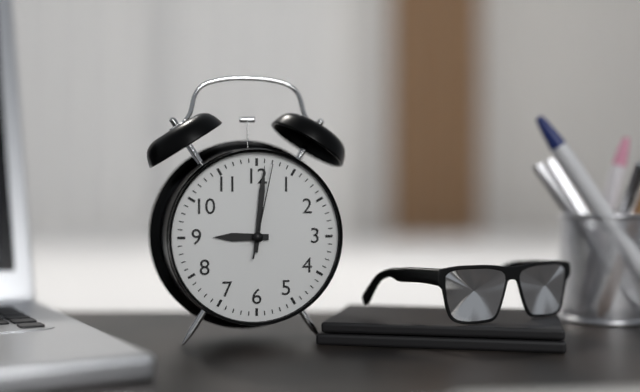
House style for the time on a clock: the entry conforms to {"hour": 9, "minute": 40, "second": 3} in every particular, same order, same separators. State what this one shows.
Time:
{"hour": 9, "minute": 1, "second": 2}
